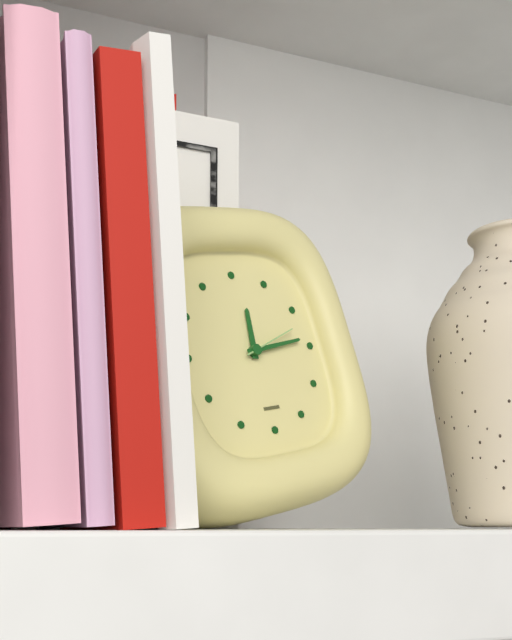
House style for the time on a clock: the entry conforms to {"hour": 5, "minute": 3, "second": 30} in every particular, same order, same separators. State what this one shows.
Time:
{"hour": 12, "minute": 14, "second": 12}
